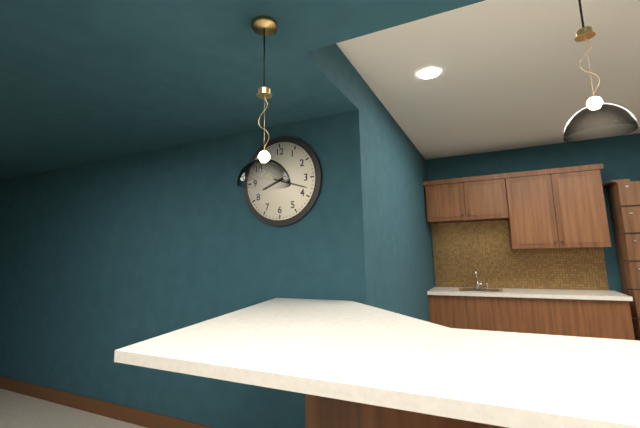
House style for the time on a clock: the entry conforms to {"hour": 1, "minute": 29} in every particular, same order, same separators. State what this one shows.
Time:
{"hour": 8, "minute": 18}
